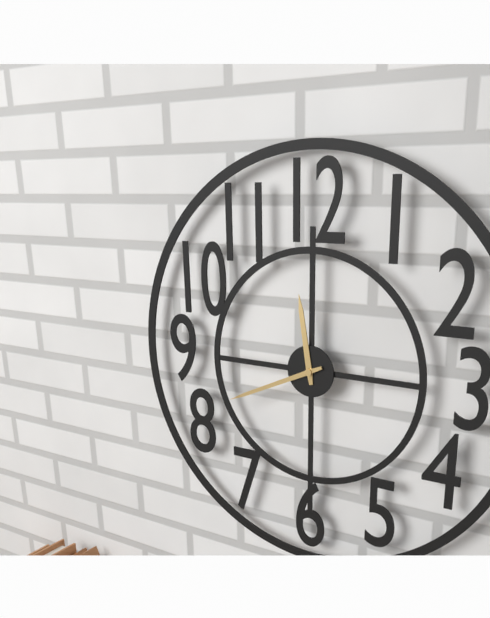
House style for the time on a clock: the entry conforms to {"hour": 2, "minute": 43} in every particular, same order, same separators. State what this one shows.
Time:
{"hour": 11, "minute": 41}
